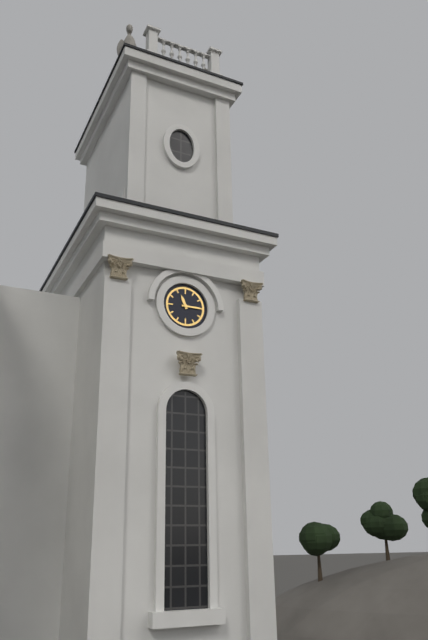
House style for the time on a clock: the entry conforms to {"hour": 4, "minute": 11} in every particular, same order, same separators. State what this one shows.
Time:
{"hour": 11, "minute": 15}
